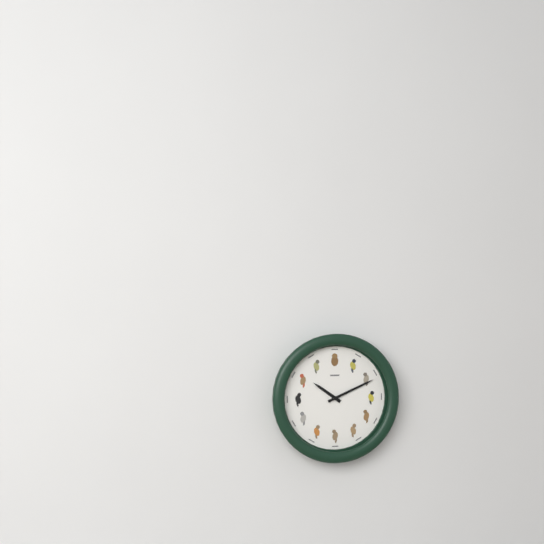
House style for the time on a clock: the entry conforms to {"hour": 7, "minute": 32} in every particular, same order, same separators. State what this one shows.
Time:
{"hour": 10, "minute": 11}
